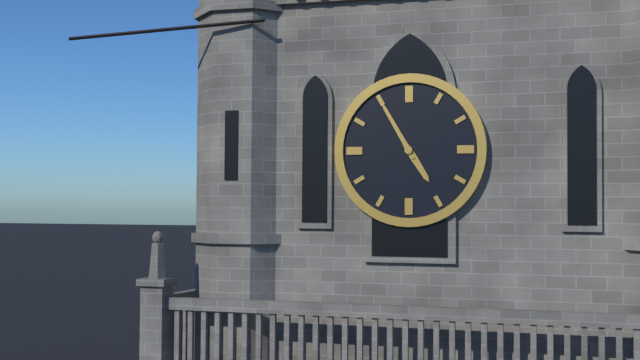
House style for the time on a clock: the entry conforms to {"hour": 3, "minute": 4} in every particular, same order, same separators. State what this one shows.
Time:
{"hour": 4, "minute": 55}
